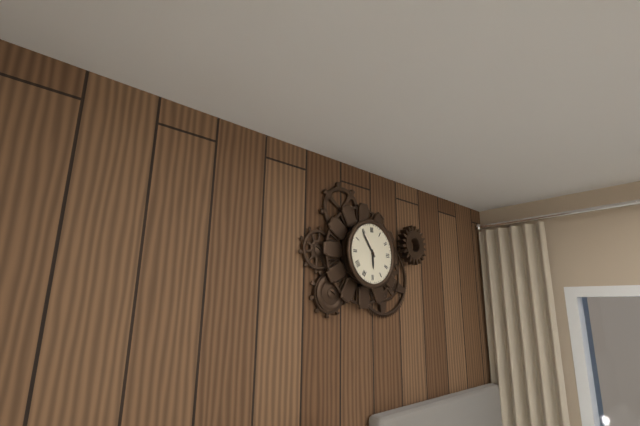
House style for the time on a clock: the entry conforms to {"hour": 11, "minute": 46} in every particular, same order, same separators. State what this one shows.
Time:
{"hour": 5, "minute": 54}
